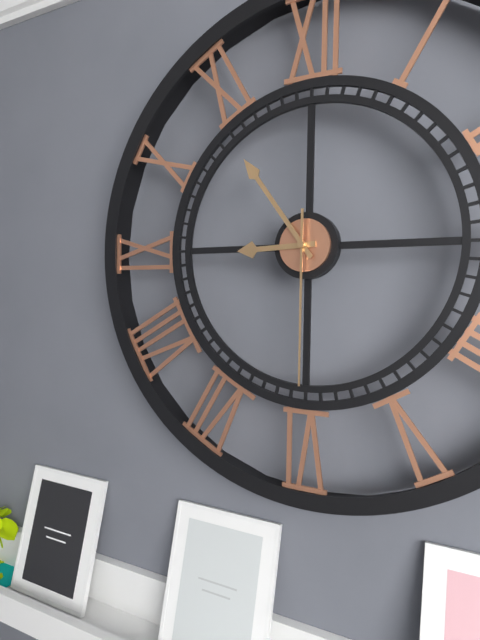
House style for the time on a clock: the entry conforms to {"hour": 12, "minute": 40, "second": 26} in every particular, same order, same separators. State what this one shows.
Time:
{"hour": 8, "minute": 54, "second": 30}
